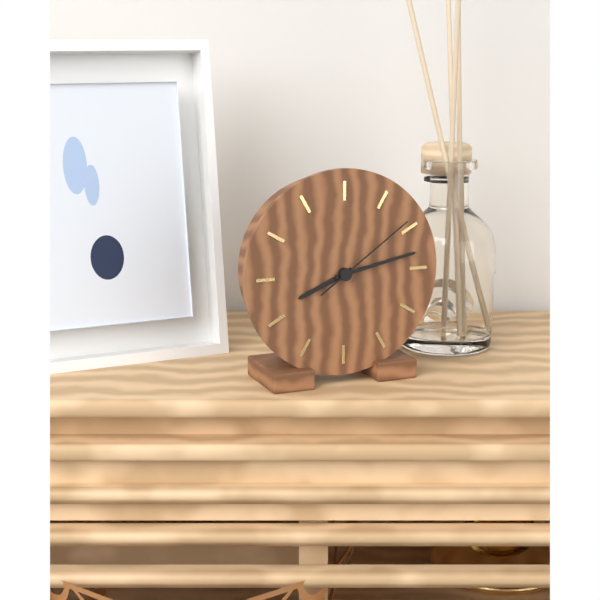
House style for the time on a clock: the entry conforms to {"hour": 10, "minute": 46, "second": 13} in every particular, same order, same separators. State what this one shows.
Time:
{"hour": 8, "minute": 13, "second": 9}
